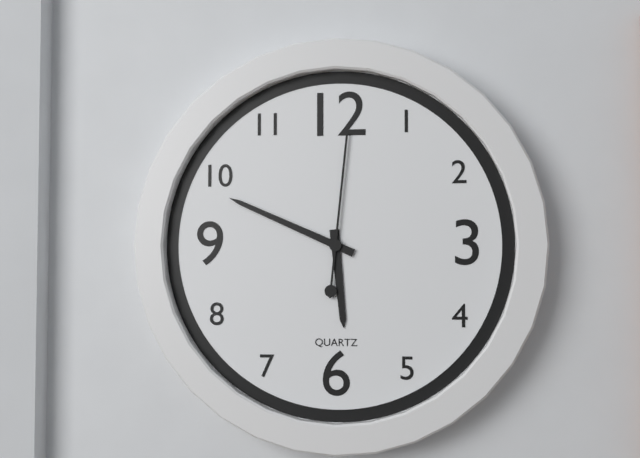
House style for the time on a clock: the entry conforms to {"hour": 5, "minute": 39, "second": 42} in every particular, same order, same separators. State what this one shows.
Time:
{"hour": 5, "minute": 49, "second": 1}
